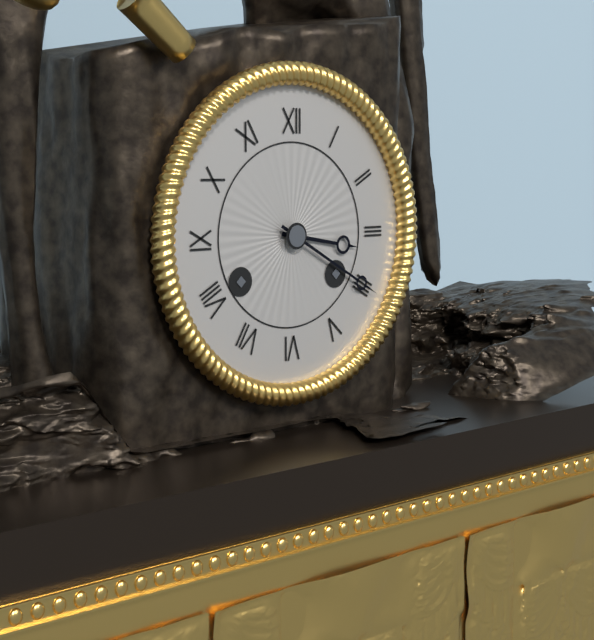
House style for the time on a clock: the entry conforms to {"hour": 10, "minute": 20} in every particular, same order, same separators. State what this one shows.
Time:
{"hour": 3, "minute": 20}
